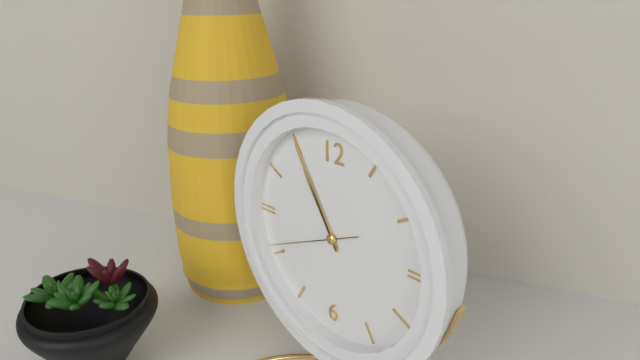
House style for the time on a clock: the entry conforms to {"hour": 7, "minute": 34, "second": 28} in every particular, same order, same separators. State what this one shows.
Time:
{"hour": 10, "minute": 55, "second": 41}
